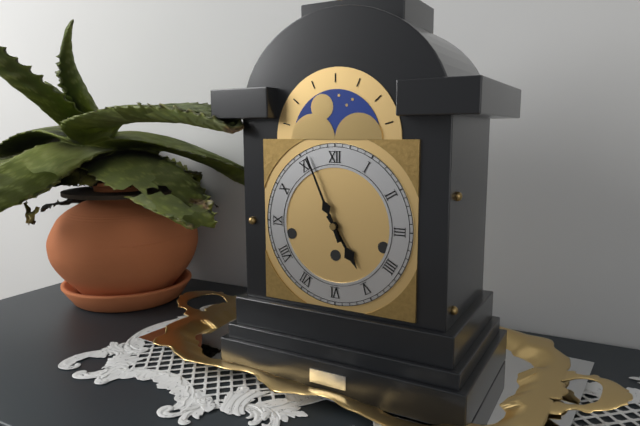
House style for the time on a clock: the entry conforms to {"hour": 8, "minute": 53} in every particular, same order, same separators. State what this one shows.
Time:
{"hour": 4, "minute": 56}
